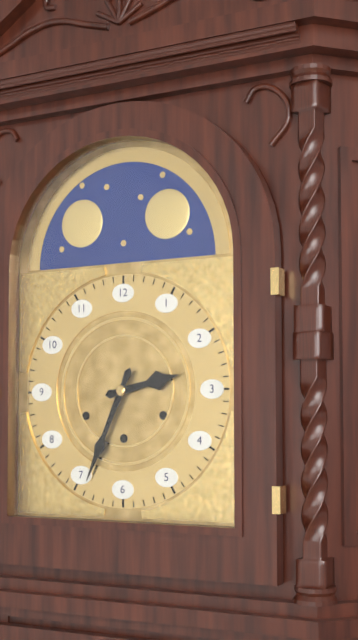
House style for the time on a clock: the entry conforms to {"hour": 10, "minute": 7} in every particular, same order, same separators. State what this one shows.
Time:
{"hour": 2, "minute": 34}
